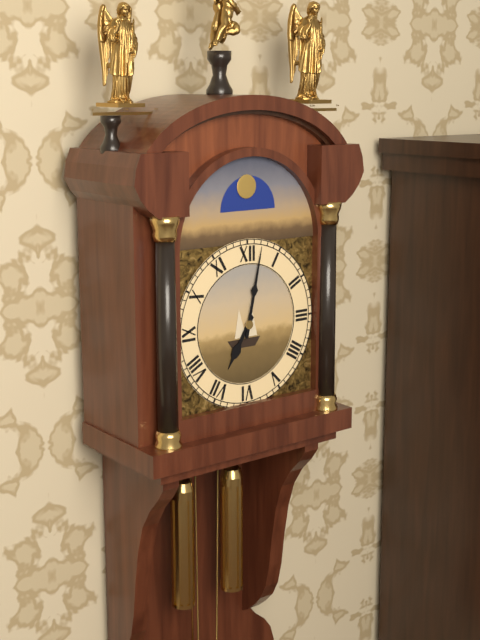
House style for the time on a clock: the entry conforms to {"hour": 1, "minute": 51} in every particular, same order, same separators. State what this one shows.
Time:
{"hour": 7, "minute": 2}
